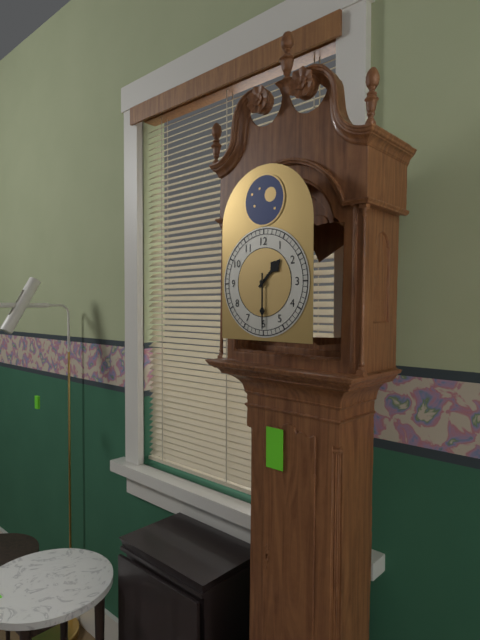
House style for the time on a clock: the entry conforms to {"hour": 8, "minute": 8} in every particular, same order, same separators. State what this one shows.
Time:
{"hour": 1, "minute": 30}
